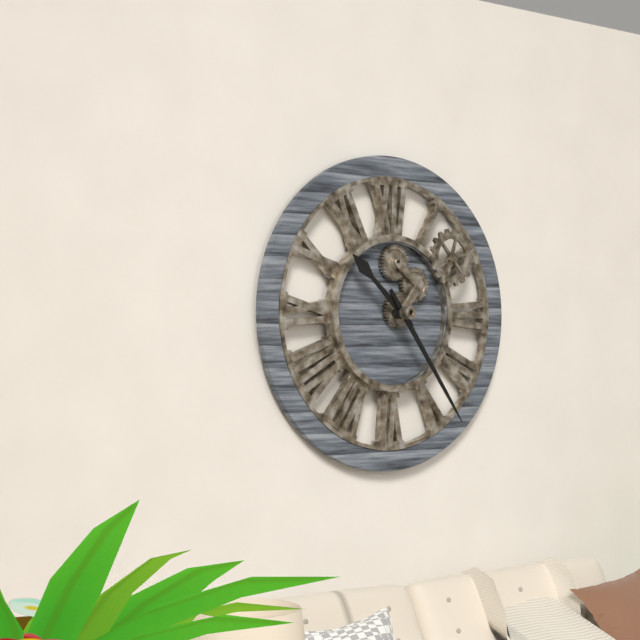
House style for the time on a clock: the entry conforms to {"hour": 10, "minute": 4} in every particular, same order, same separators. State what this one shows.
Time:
{"hour": 10, "minute": 24}
